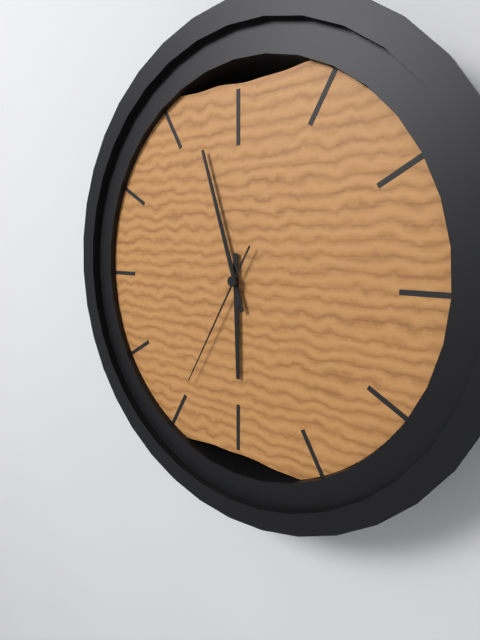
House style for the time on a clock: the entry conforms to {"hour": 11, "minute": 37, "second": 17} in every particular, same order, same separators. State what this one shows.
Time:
{"hour": 5, "minute": 57, "second": 35}
